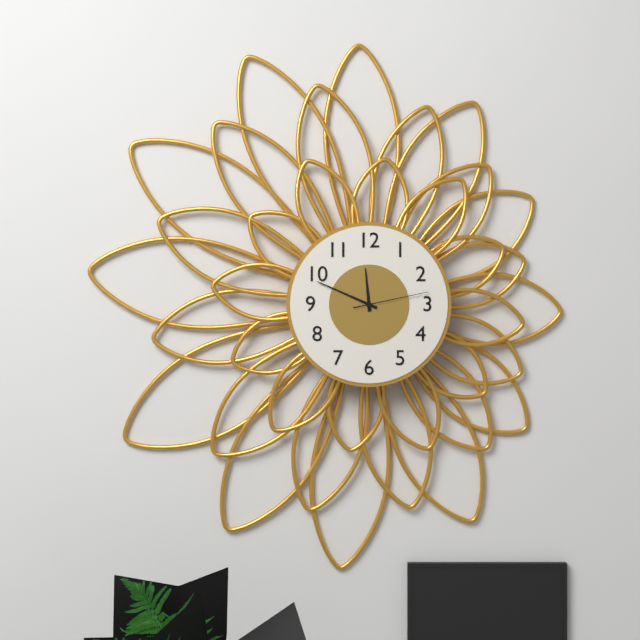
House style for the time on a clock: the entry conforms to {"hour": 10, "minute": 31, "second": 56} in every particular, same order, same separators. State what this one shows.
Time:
{"hour": 11, "minute": 49, "second": 13}
